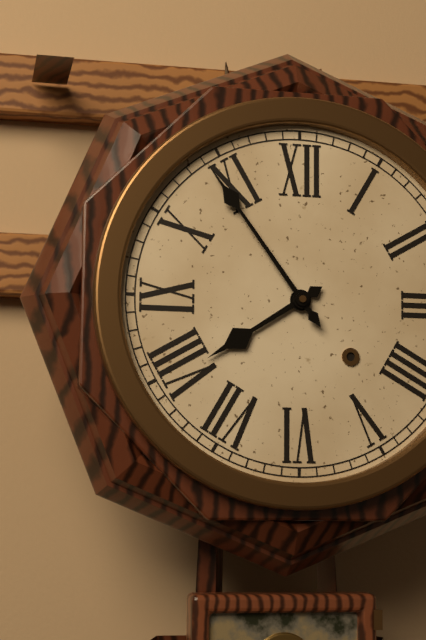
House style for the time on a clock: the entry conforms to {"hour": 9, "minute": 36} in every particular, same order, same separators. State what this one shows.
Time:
{"hour": 7, "minute": 54}
